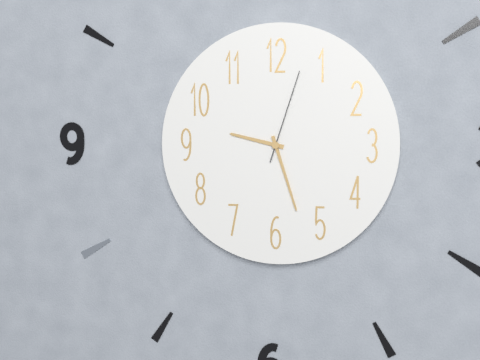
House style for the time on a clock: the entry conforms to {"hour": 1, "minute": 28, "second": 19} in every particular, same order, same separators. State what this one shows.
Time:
{"hour": 9, "minute": 27, "second": 3}
